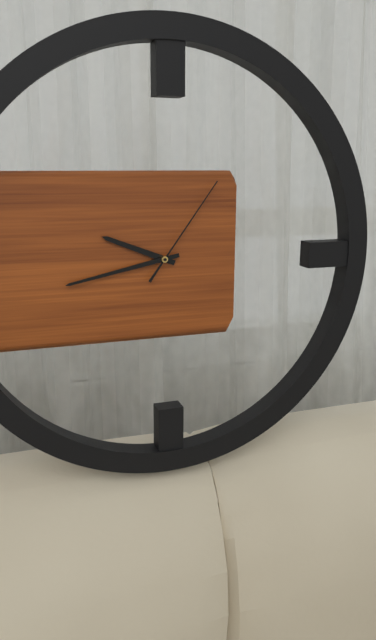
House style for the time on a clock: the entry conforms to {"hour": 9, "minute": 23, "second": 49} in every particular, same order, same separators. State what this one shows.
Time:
{"hour": 9, "minute": 43, "second": 6}
